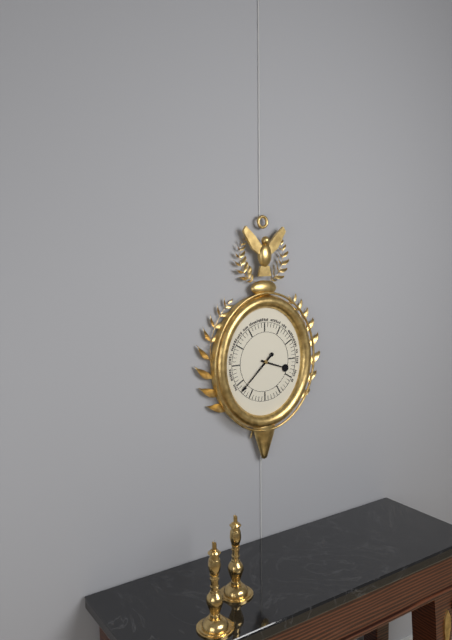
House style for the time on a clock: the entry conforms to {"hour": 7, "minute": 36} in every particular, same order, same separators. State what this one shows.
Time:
{"hour": 3, "minute": 38}
